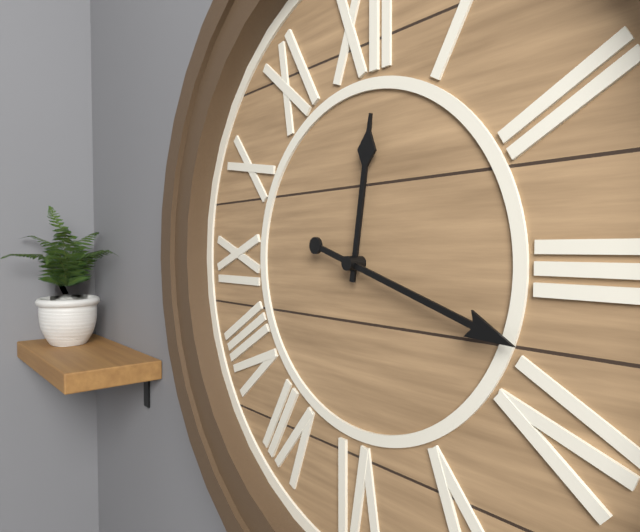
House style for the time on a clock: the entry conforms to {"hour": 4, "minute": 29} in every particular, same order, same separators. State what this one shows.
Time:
{"hour": 12, "minute": 18}
